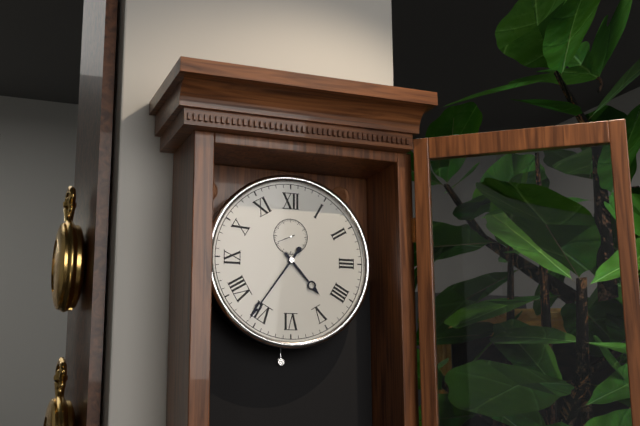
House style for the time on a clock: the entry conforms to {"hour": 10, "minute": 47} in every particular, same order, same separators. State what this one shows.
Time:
{"hour": 4, "minute": 36}
